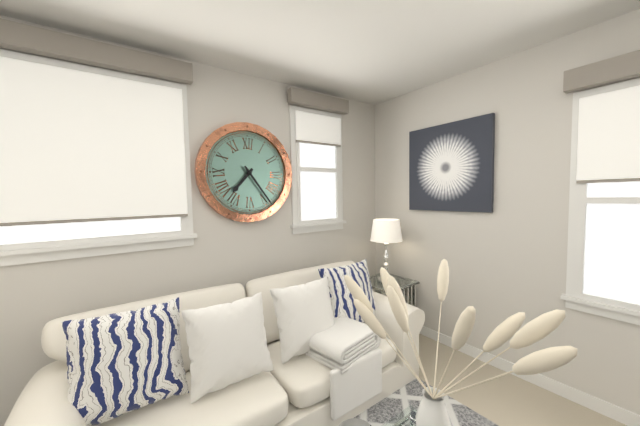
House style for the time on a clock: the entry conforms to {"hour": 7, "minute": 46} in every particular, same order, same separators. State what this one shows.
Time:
{"hour": 7, "minute": 24}
